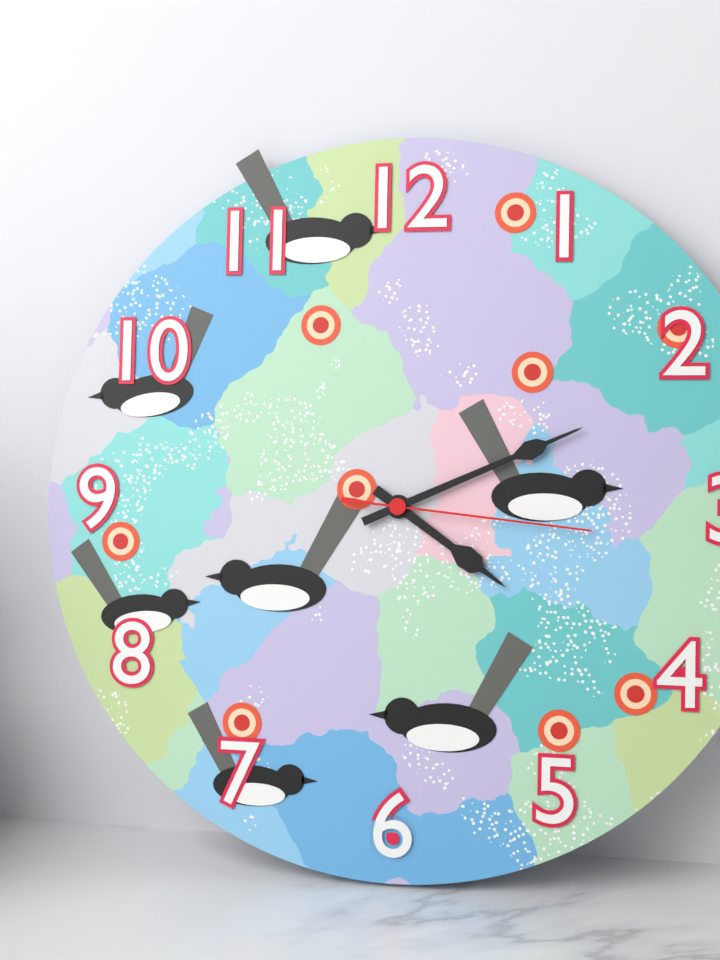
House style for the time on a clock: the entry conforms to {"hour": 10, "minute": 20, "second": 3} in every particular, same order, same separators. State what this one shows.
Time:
{"hour": 4, "minute": 11, "second": 16}
